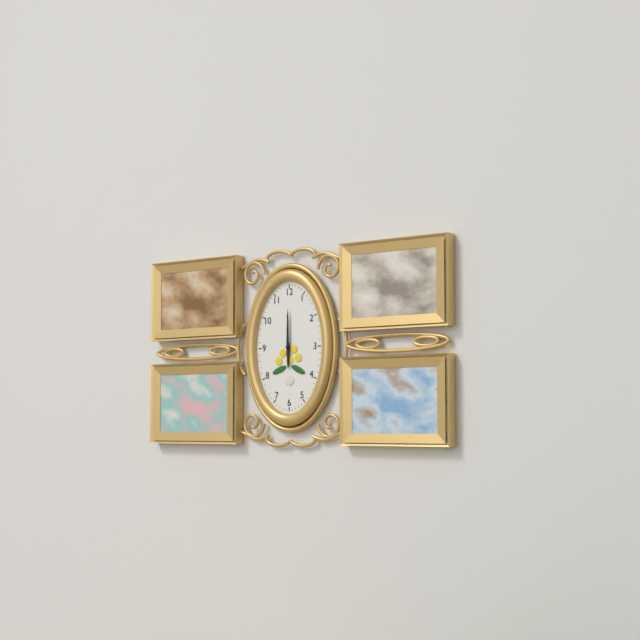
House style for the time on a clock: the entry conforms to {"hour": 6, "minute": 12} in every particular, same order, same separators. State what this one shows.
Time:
{"hour": 6, "minute": 0}
